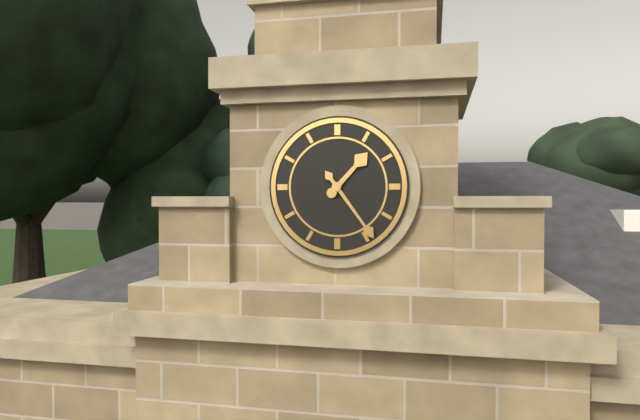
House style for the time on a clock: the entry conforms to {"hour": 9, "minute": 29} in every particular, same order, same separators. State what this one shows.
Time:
{"hour": 1, "minute": 24}
